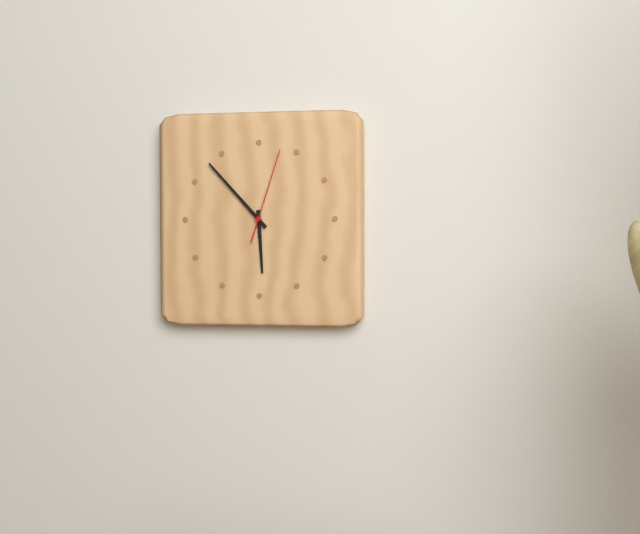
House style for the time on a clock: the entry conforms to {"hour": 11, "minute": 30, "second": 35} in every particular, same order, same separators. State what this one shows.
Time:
{"hour": 5, "minute": 53, "second": 3}
